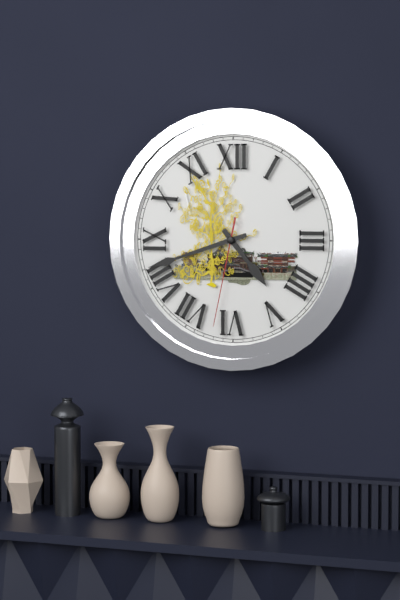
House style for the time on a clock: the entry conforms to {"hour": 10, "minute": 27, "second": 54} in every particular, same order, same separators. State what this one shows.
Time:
{"hour": 4, "minute": 42, "second": 32}
